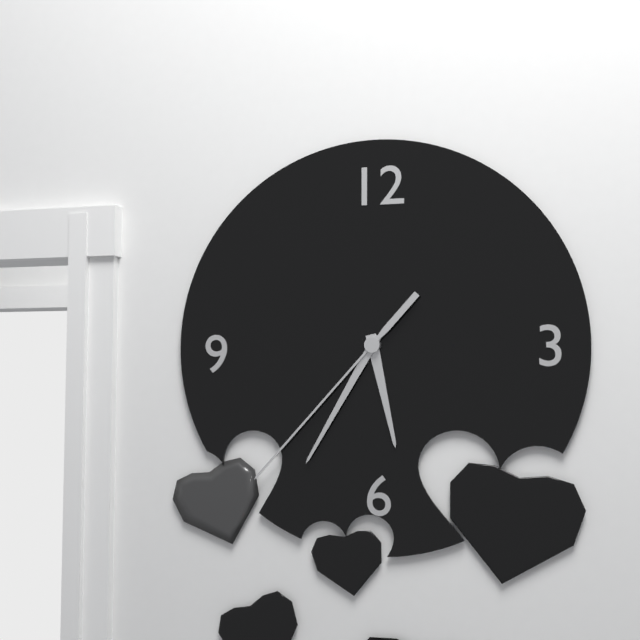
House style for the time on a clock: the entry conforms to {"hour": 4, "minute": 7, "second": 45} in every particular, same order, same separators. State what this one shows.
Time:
{"hour": 5, "minute": 35, "second": 37}
